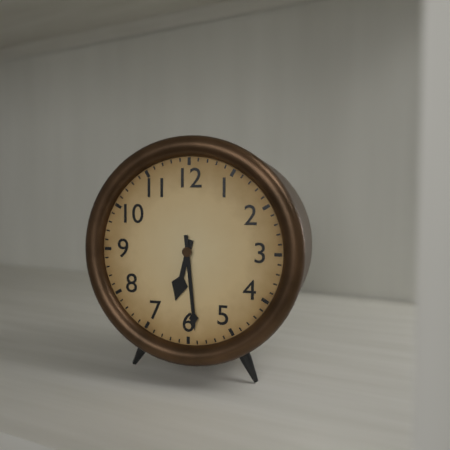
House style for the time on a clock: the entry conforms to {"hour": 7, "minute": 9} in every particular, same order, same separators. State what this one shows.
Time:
{"hour": 6, "minute": 29}
